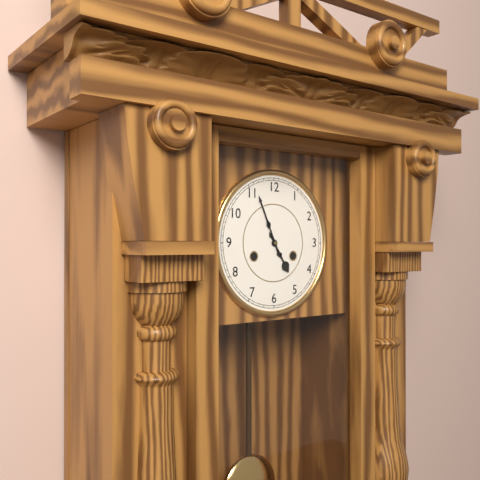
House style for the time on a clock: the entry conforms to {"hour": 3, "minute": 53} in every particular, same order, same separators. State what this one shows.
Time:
{"hour": 4, "minute": 56}
